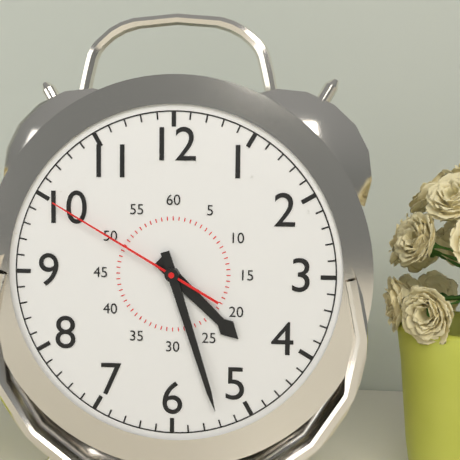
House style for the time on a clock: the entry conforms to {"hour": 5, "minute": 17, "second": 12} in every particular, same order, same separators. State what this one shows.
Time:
{"hour": 4, "minute": 27, "second": 50}
